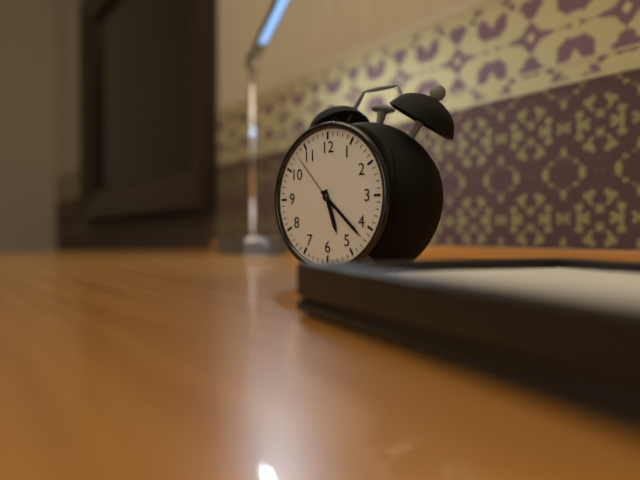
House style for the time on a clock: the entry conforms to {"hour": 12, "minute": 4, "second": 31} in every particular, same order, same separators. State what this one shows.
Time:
{"hour": 5, "minute": 22, "second": 53}
